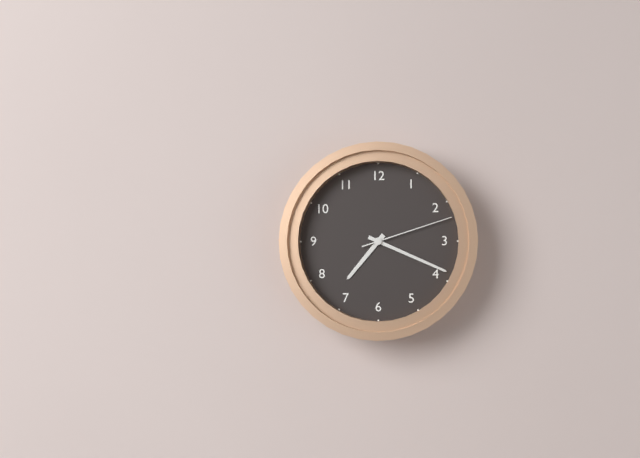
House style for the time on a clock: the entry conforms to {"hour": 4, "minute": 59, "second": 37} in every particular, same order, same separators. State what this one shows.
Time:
{"hour": 7, "minute": 19, "second": 12}
